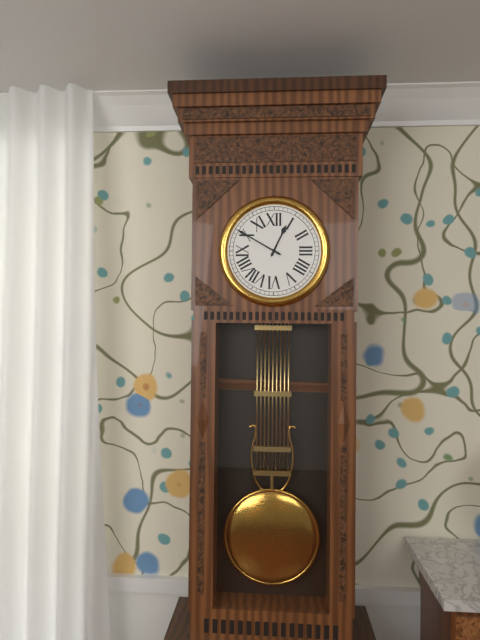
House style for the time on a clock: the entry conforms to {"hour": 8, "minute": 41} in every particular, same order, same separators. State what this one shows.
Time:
{"hour": 12, "minute": 50}
